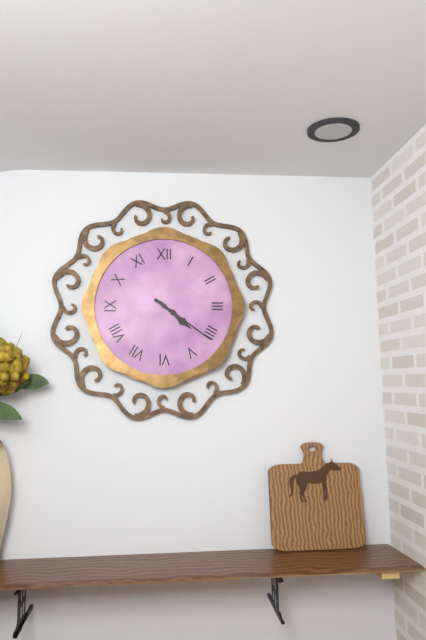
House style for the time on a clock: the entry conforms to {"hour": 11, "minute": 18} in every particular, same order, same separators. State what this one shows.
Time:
{"hour": 4, "minute": 21}
